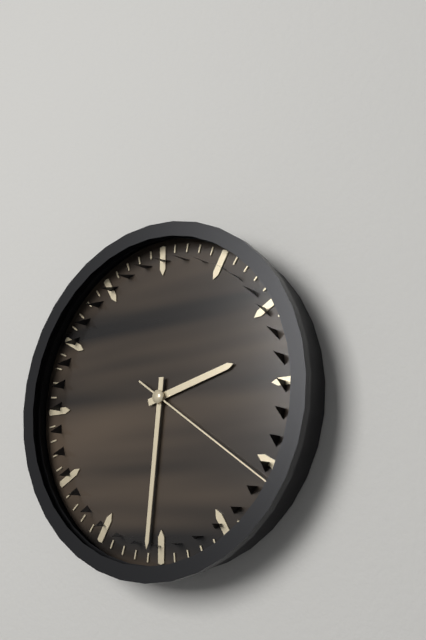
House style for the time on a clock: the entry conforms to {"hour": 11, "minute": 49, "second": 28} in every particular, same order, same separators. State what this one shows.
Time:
{"hour": 2, "minute": 31, "second": 21}
